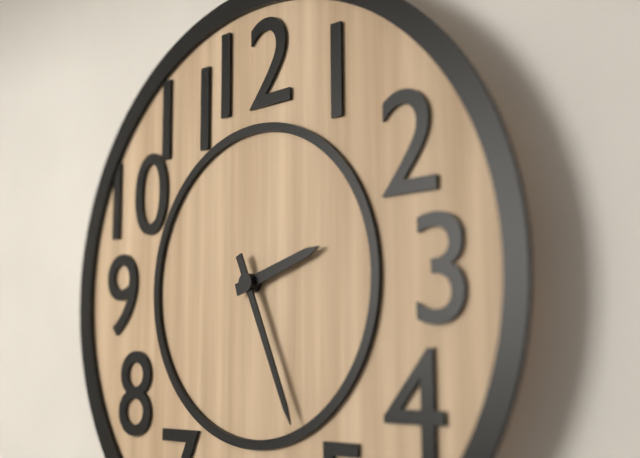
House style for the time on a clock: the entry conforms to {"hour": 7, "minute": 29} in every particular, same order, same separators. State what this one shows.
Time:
{"hour": 2, "minute": 26}
